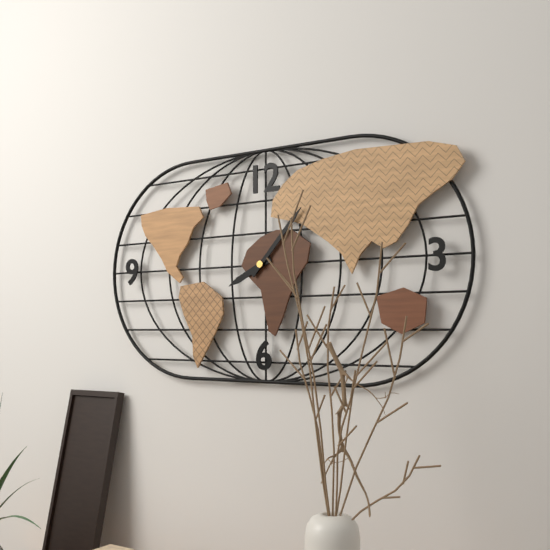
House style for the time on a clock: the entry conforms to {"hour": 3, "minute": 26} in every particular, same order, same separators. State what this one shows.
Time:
{"hour": 8, "minute": 7}
